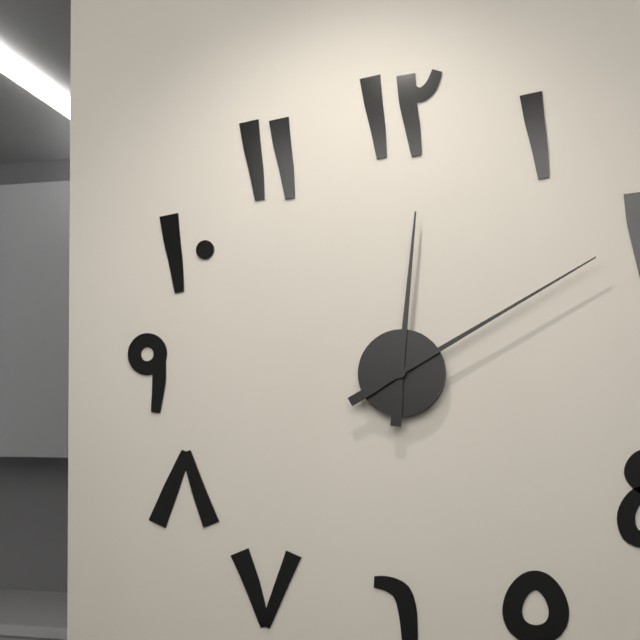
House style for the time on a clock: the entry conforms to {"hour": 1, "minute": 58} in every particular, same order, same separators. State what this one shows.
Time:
{"hour": 12, "minute": 10}
